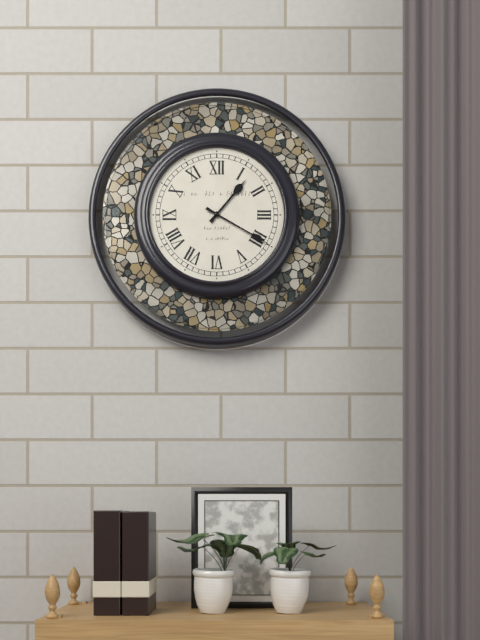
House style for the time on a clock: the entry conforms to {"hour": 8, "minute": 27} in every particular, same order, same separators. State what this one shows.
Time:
{"hour": 1, "minute": 20}
